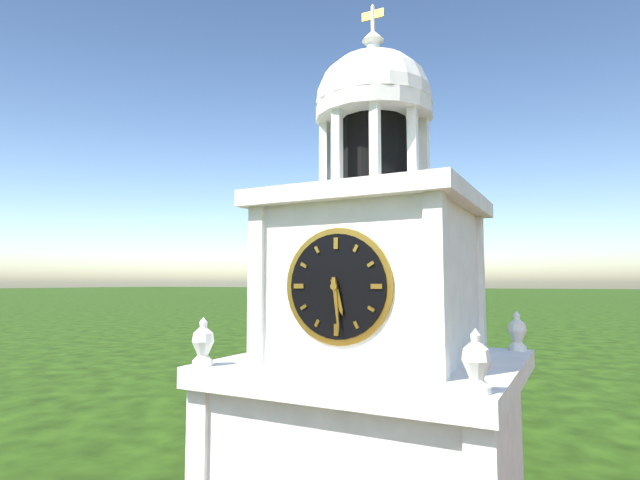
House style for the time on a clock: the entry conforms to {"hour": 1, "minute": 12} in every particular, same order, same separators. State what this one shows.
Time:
{"hour": 5, "minute": 29}
